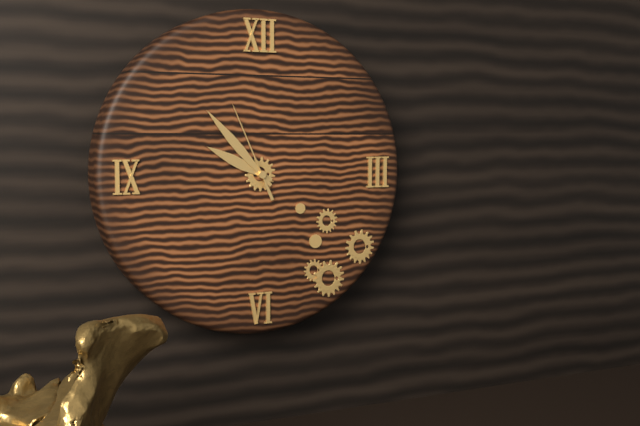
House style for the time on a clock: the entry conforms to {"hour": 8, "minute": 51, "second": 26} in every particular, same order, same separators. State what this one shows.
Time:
{"hour": 9, "minute": 53, "second": 56}
